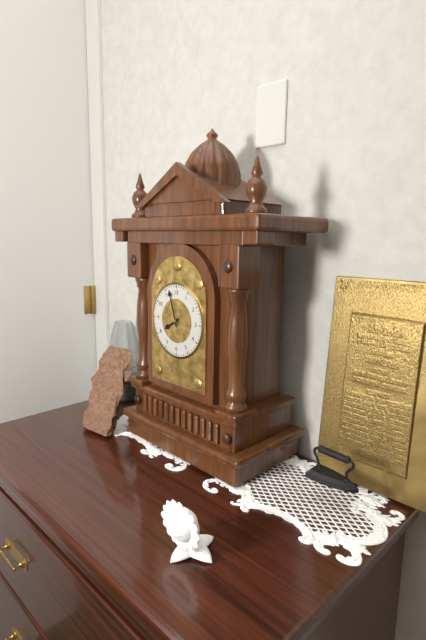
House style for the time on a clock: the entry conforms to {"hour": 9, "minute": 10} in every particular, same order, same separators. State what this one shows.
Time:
{"hour": 7, "minute": 57}
